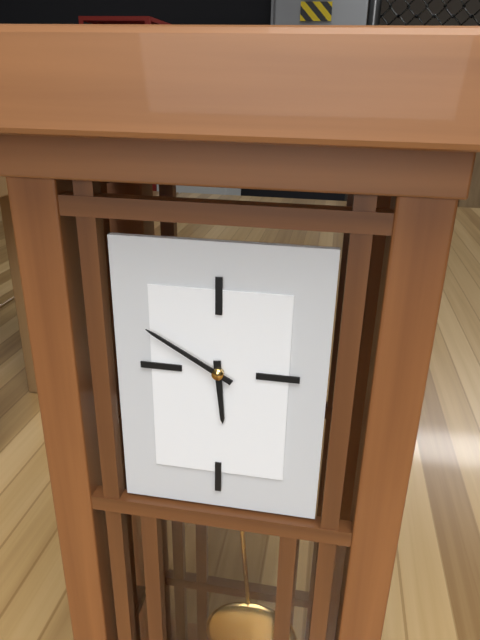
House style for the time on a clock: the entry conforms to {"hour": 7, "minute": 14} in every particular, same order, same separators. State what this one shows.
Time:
{"hour": 5, "minute": 50}
